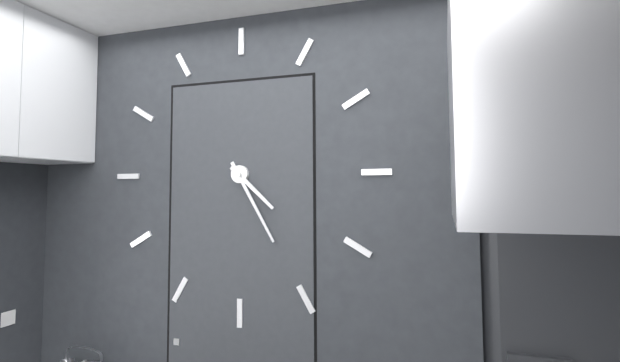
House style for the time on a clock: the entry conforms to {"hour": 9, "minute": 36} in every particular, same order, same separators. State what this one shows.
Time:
{"hour": 4, "minute": 25}
